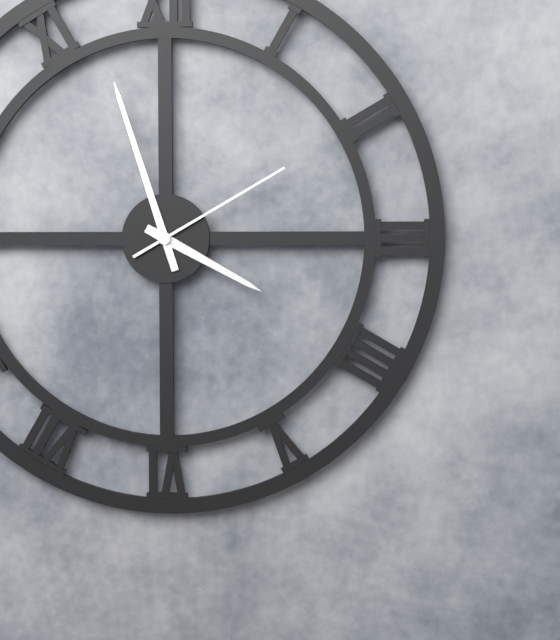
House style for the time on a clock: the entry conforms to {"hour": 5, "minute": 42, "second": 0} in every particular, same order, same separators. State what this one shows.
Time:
{"hour": 3, "minute": 57, "second": 10}
